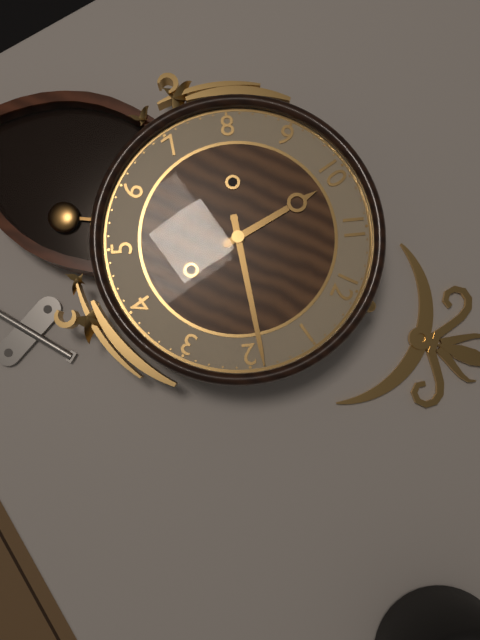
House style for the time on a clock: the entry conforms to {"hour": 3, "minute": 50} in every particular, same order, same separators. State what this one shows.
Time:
{"hour": 10, "minute": 9}
